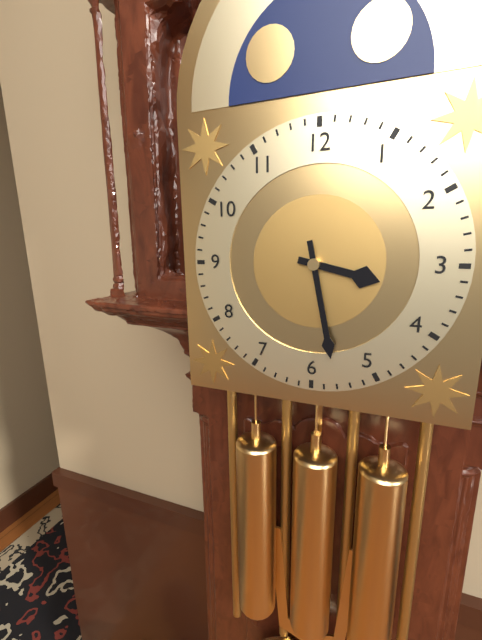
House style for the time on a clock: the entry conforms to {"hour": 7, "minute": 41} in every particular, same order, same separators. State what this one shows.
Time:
{"hour": 3, "minute": 28}
